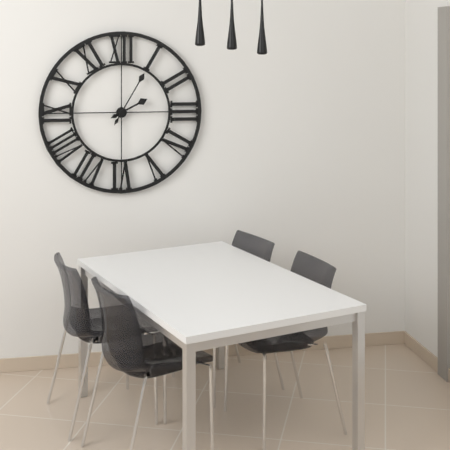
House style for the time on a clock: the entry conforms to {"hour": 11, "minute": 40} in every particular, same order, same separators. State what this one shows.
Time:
{"hour": 2, "minute": 5}
